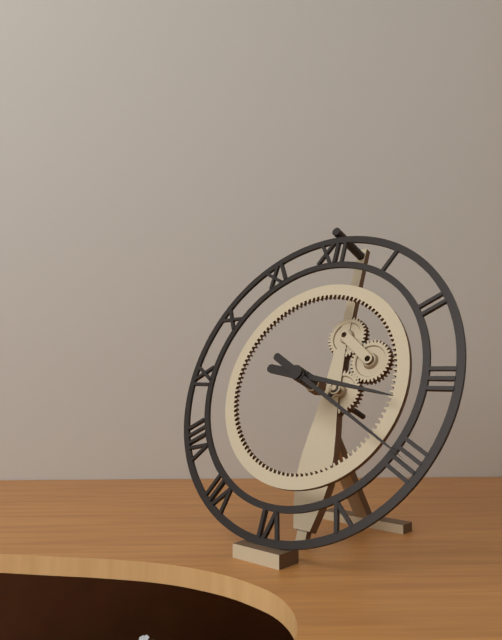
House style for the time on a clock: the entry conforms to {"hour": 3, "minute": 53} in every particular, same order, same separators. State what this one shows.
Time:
{"hour": 3, "minute": 20}
